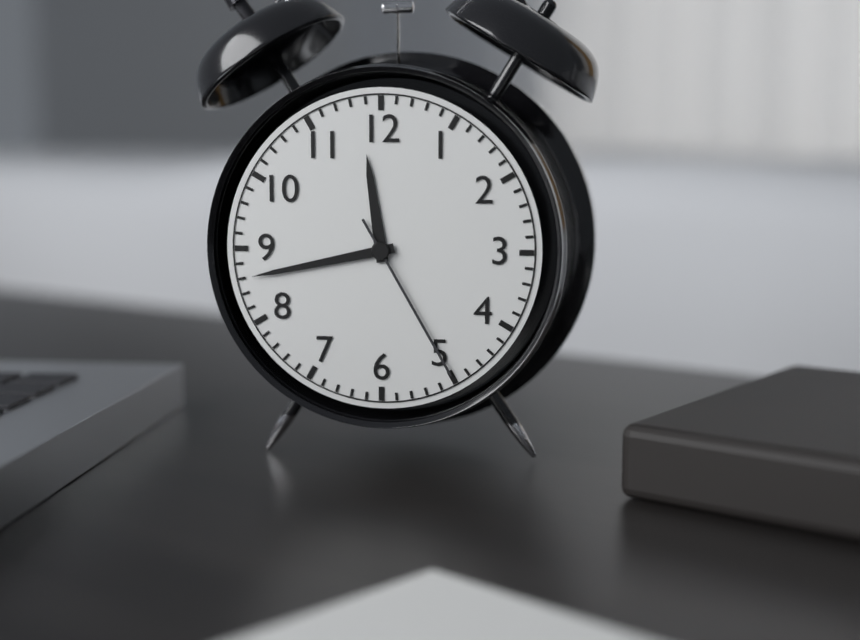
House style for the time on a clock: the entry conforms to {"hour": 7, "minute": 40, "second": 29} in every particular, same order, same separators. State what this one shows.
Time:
{"hour": 11, "minute": 43, "second": 25}
